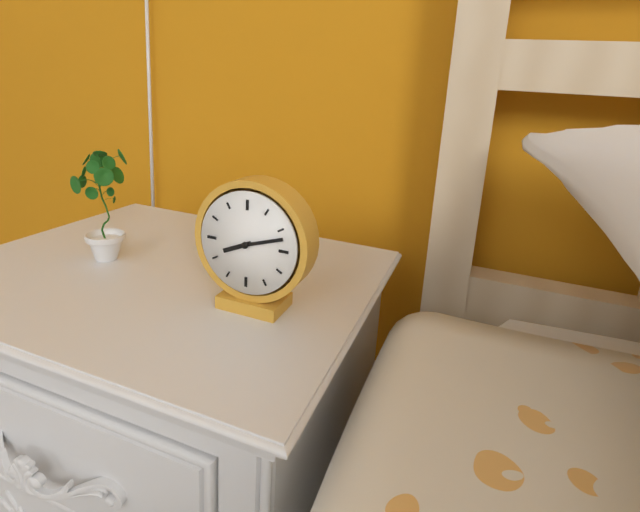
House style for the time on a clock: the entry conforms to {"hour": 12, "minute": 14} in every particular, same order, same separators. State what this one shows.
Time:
{"hour": 8, "minute": 12}
